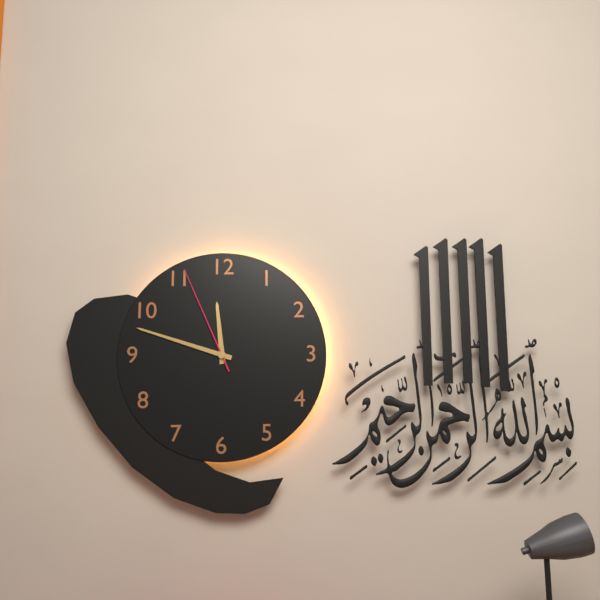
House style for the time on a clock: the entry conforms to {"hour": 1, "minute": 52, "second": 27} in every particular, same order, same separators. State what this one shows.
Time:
{"hour": 11, "minute": 48, "second": 56}
